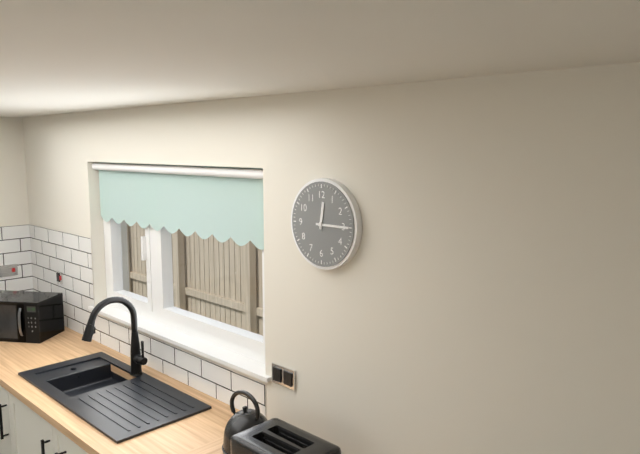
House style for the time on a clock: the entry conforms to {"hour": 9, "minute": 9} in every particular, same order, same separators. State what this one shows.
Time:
{"hour": 12, "minute": 15}
